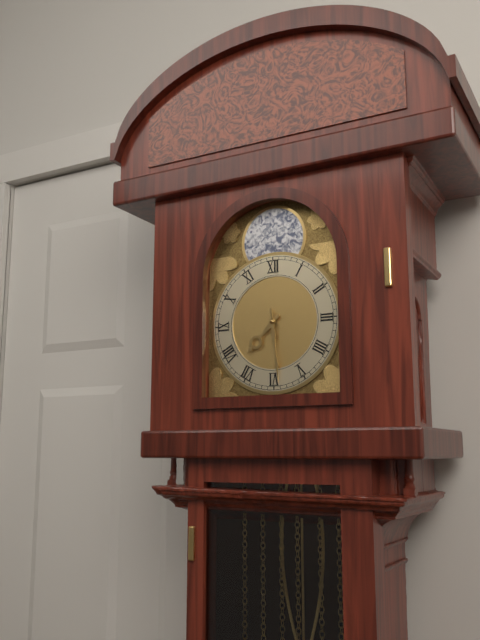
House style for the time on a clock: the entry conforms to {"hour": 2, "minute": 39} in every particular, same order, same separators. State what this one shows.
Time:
{"hour": 7, "minute": 29}
